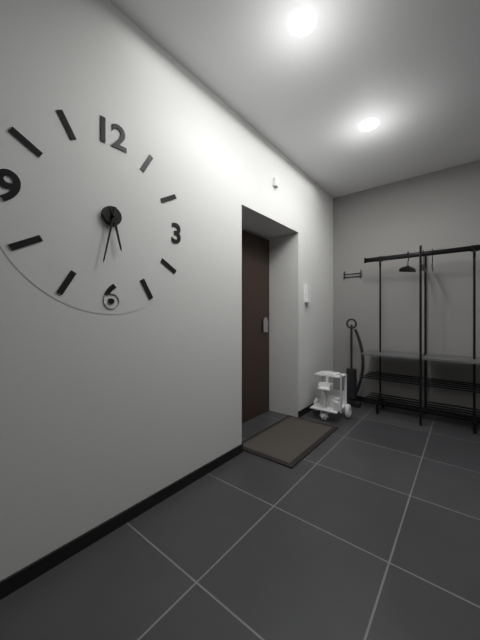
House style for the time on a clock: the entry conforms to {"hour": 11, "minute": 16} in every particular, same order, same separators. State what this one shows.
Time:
{"hour": 5, "minute": 32}
